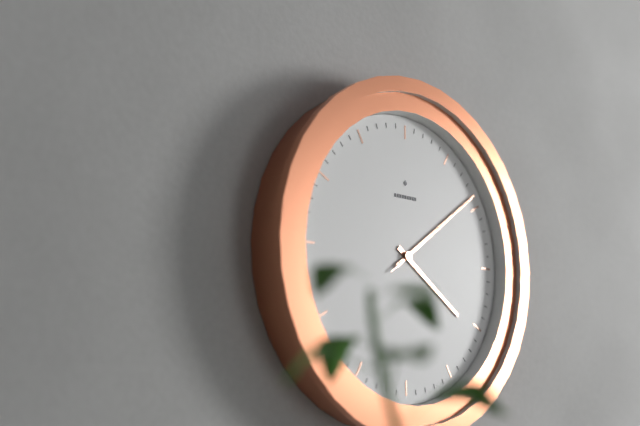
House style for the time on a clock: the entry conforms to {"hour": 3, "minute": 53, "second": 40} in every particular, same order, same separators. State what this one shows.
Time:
{"hour": 4, "minute": 9, "second": 9}
